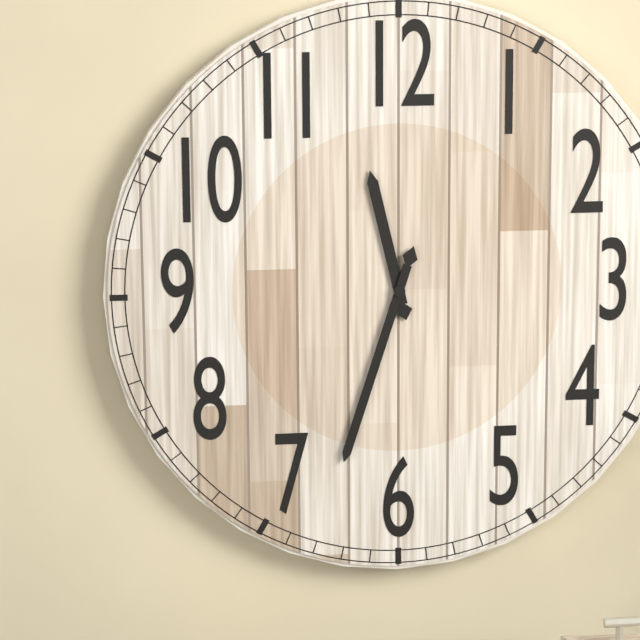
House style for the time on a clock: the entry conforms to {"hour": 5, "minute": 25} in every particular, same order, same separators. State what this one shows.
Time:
{"hour": 11, "minute": 33}
